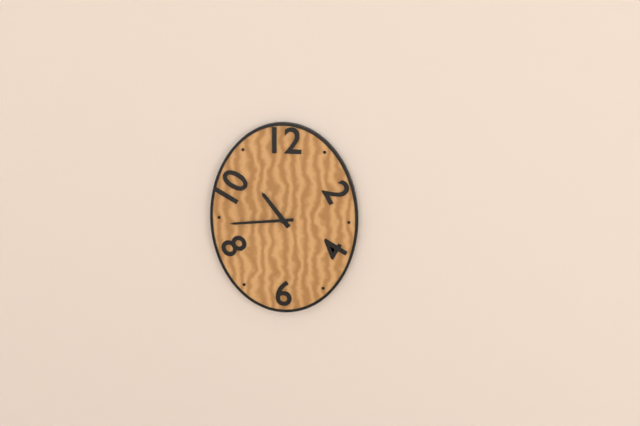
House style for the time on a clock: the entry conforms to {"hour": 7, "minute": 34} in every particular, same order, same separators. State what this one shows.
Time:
{"hour": 10, "minute": 44}
